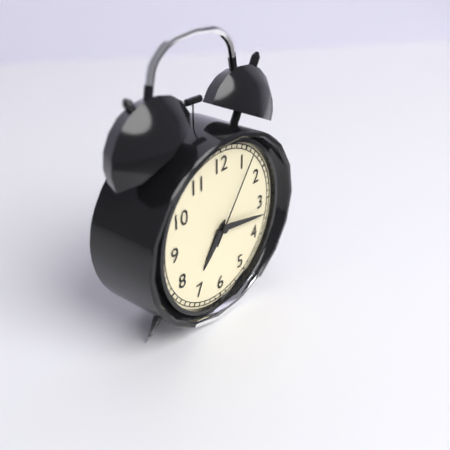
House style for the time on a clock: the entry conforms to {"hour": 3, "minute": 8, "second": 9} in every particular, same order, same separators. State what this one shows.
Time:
{"hour": 7, "minute": 17, "second": 6}
